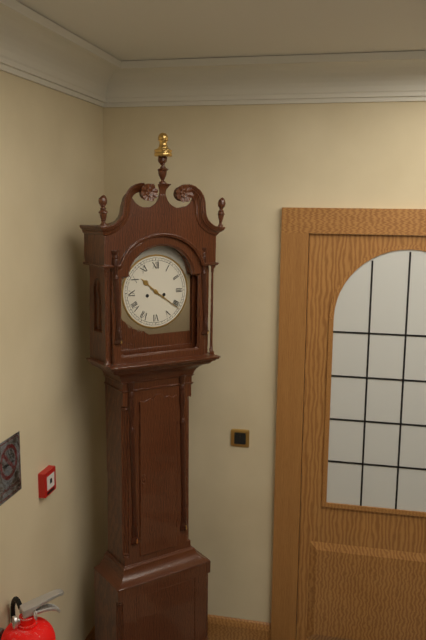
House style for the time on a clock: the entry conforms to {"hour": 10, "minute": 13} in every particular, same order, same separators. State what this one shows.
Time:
{"hour": 10, "minute": 21}
